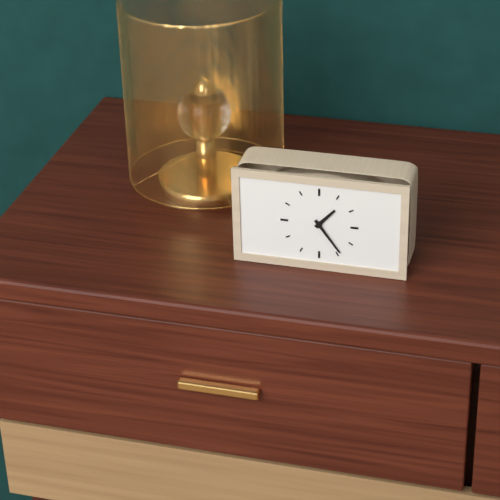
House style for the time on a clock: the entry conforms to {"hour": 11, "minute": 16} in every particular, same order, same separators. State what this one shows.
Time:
{"hour": 1, "minute": 24}
